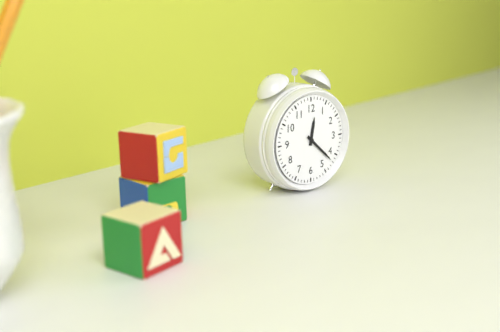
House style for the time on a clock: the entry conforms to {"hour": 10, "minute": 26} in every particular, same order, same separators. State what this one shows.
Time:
{"hour": 12, "minute": 22}
